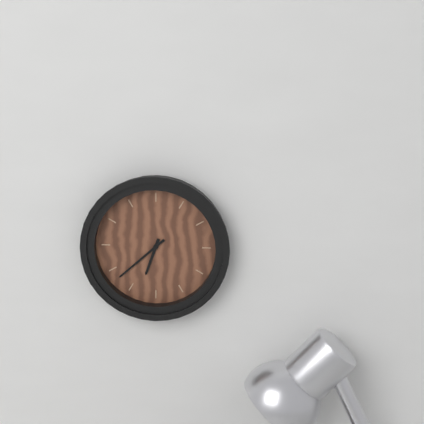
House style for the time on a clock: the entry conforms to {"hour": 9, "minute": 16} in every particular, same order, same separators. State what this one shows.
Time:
{"hour": 6, "minute": 38}
